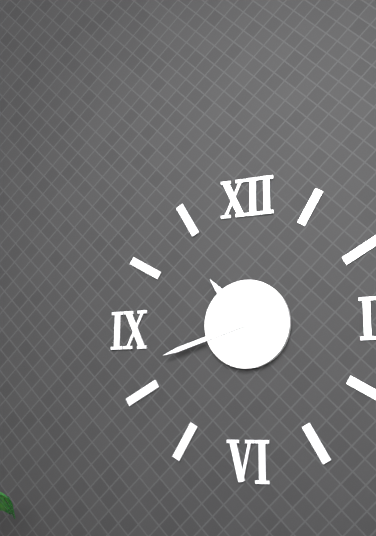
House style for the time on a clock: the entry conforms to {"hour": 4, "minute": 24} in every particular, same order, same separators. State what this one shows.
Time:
{"hour": 10, "minute": 42}
